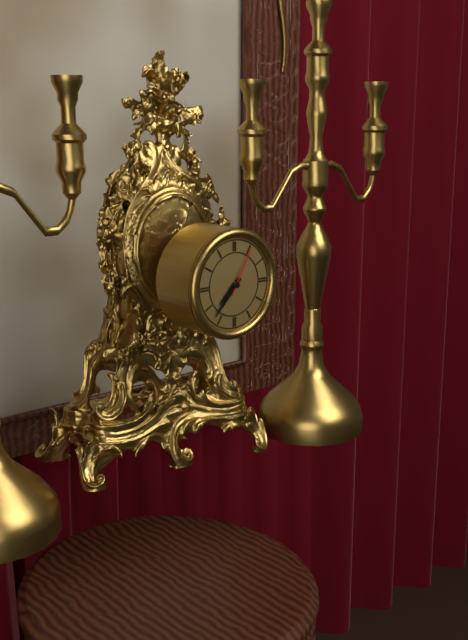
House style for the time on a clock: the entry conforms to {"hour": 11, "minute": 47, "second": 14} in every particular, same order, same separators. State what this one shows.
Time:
{"hour": 7, "minute": 37, "second": 5}
